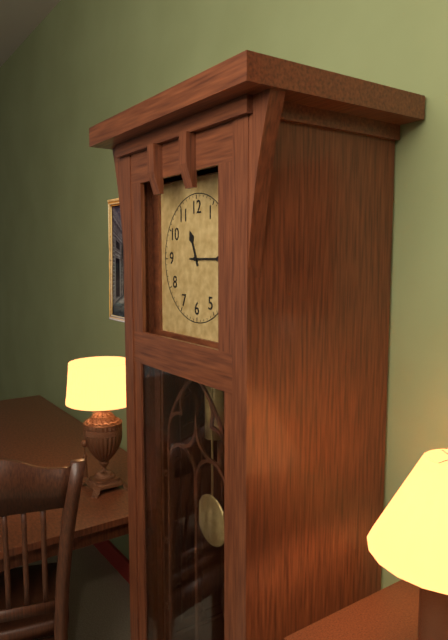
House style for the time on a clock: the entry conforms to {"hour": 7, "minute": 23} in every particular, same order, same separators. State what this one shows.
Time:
{"hour": 11, "minute": 15}
